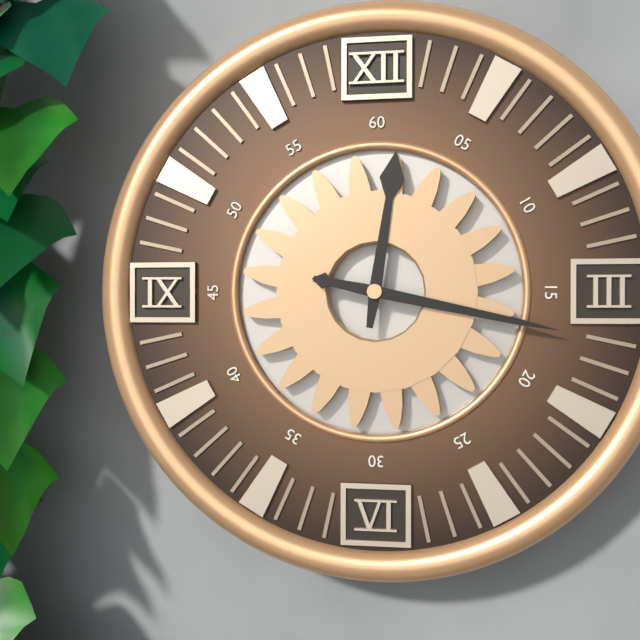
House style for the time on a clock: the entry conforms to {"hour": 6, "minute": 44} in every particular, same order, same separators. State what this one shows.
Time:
{"hour": 12, "minute": 17}
